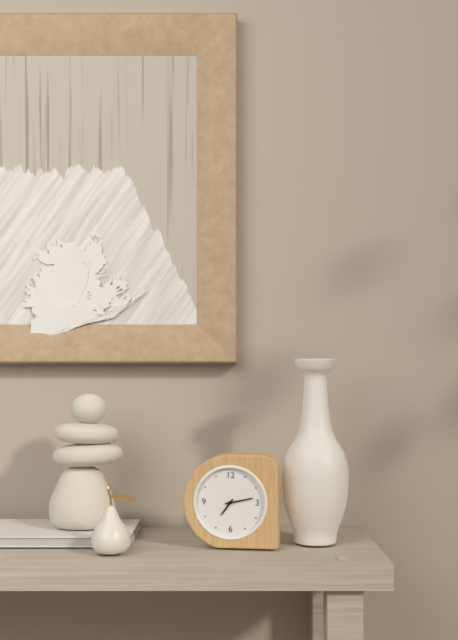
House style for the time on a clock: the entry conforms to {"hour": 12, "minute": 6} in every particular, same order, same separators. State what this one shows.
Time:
{"hour": 7, "minute": 13}
